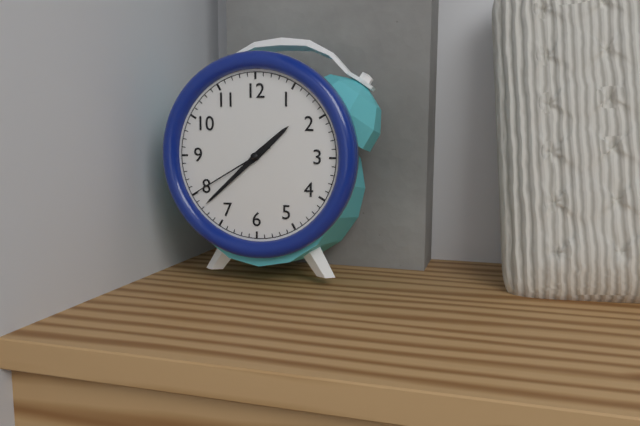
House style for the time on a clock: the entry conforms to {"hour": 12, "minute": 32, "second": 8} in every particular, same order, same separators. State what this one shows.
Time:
{"hour": 1, "minute": 38, "second": 40}
